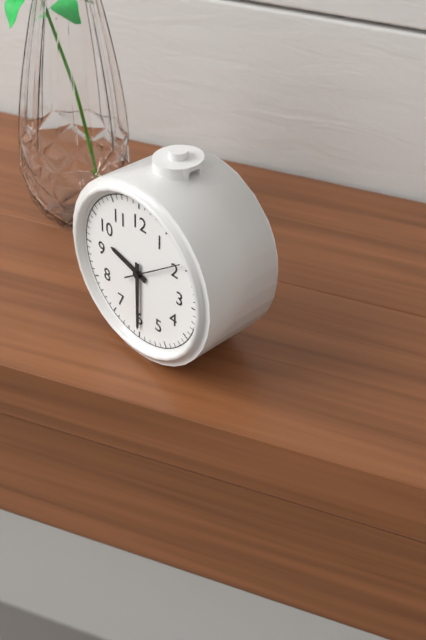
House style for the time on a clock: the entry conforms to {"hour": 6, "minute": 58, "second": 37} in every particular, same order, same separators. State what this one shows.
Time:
{"hour": 9, "minute": 30, "second": 9}
